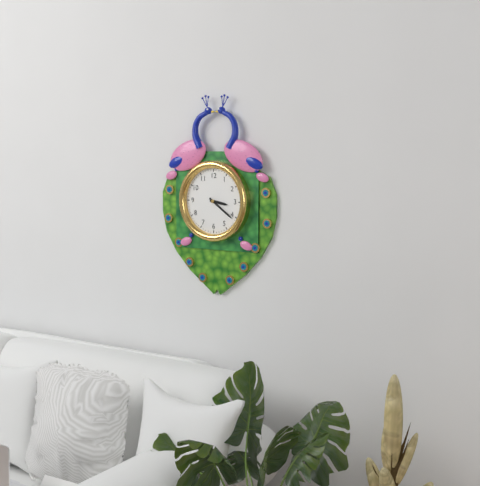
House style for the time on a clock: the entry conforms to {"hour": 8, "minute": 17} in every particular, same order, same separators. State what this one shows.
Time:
{"hour": 3, "minute": 21}
